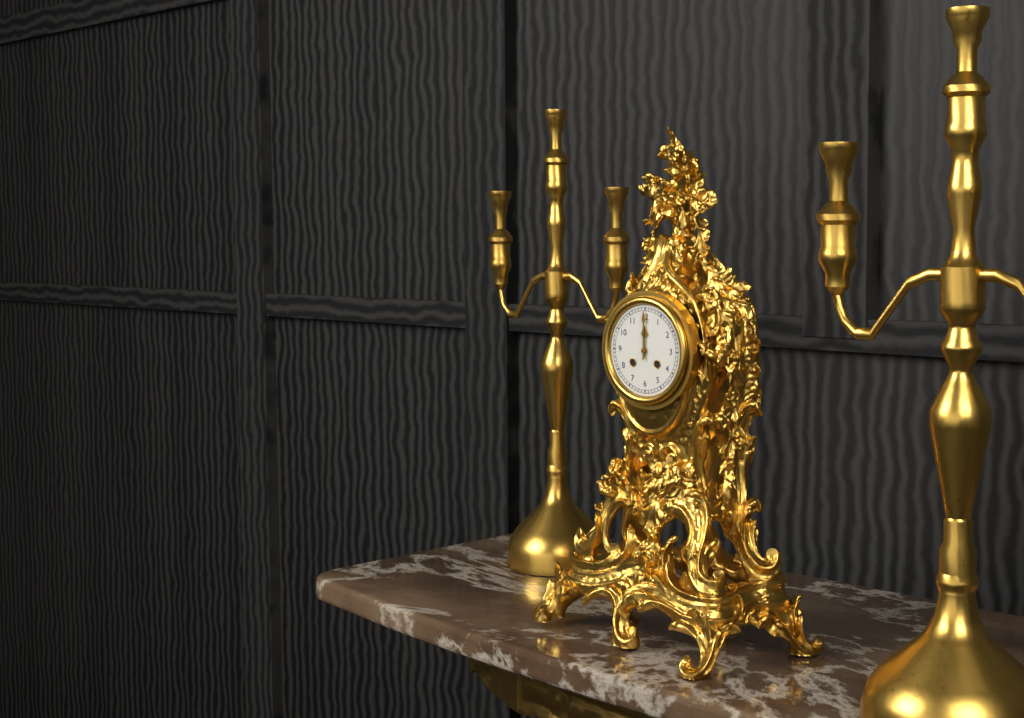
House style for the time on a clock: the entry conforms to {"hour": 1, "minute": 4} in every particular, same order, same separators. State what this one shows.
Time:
{"hour": 12, "minute": 0}
